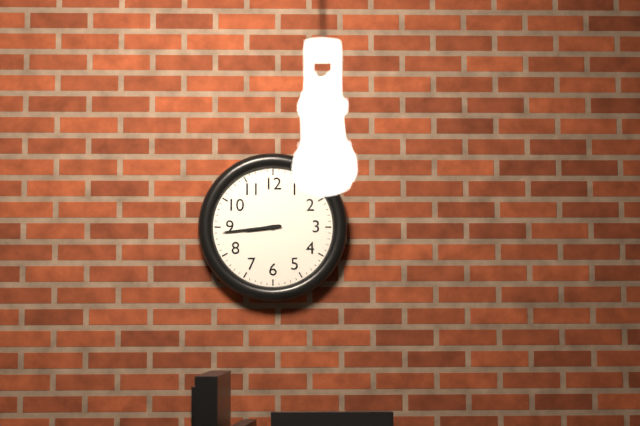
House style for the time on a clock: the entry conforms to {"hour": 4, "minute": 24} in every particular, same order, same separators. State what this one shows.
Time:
{"hour": 8, "minute": 44}
